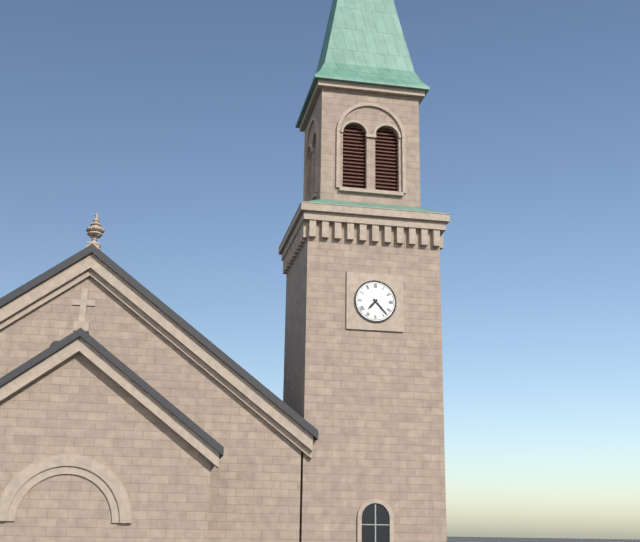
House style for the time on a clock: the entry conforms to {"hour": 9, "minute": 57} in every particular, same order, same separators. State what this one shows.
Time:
{"hour": 7, "minute": 23}
